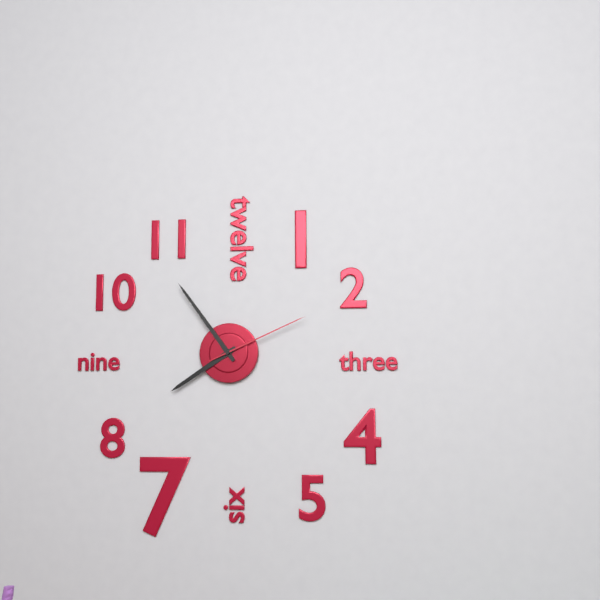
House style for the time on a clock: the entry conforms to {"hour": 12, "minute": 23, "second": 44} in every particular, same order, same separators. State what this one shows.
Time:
{"hour": 7, "minute": 54, "second": 11}
